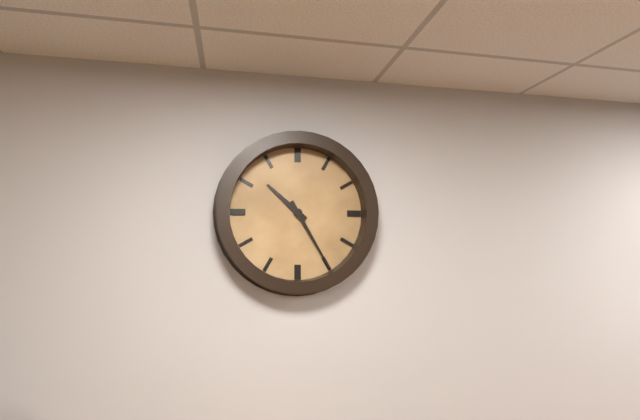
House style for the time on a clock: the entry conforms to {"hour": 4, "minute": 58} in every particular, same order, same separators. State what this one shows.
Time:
{"hour": 10, "minute": 25}
